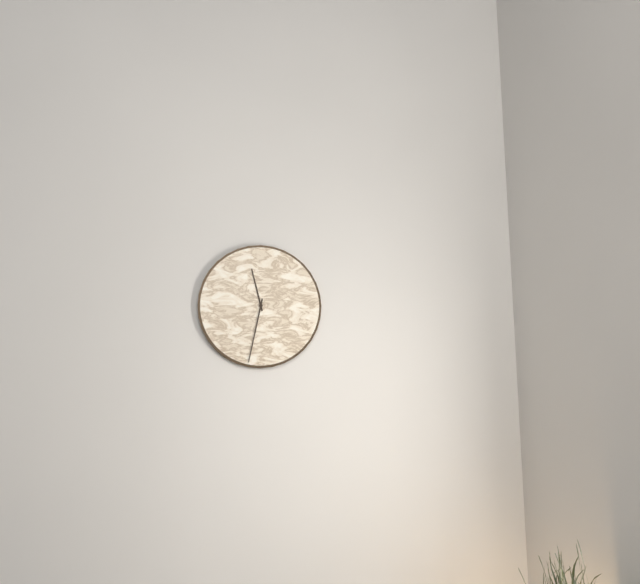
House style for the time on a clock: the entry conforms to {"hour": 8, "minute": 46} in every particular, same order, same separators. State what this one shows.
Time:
{"hour": 11, "minute": 32}
